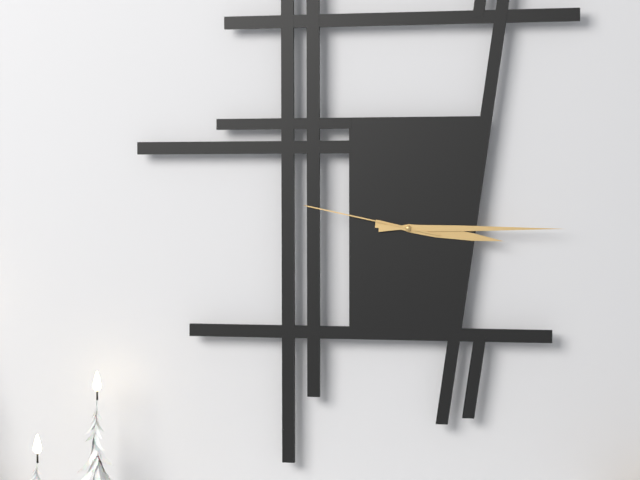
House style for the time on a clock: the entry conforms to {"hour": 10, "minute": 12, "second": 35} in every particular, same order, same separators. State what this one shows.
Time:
{"hour": 3, "minute": 15, "second": 47}
